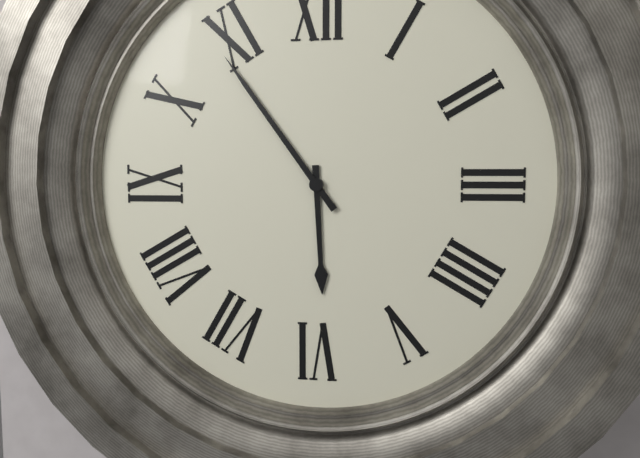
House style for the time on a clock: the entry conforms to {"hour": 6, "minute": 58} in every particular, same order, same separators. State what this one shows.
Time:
{"hour": 5, "minute": 54}
